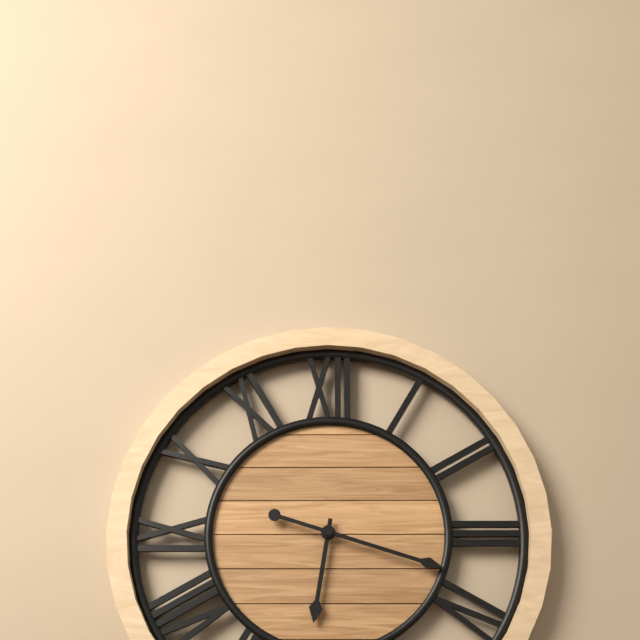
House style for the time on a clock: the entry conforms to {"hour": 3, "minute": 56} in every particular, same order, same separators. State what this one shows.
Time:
{"hour": 6, "minute": 18}
